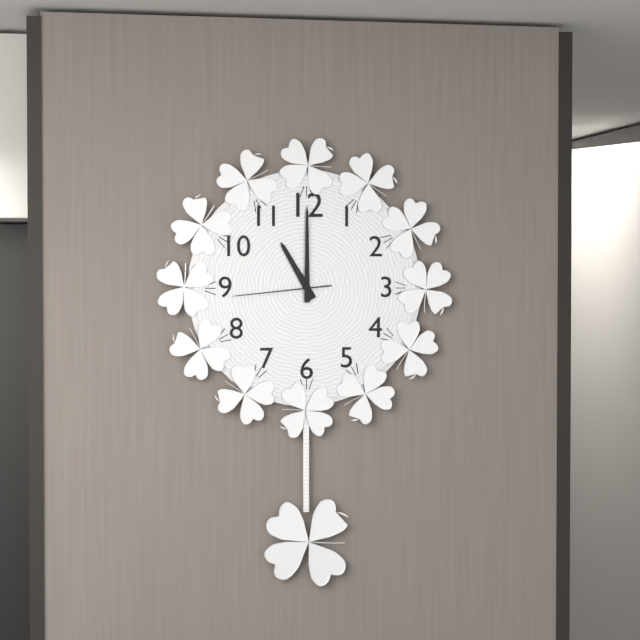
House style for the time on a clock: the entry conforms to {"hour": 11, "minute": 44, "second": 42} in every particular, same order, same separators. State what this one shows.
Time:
{"hour": 11, "minute": 0, "second": 44}
